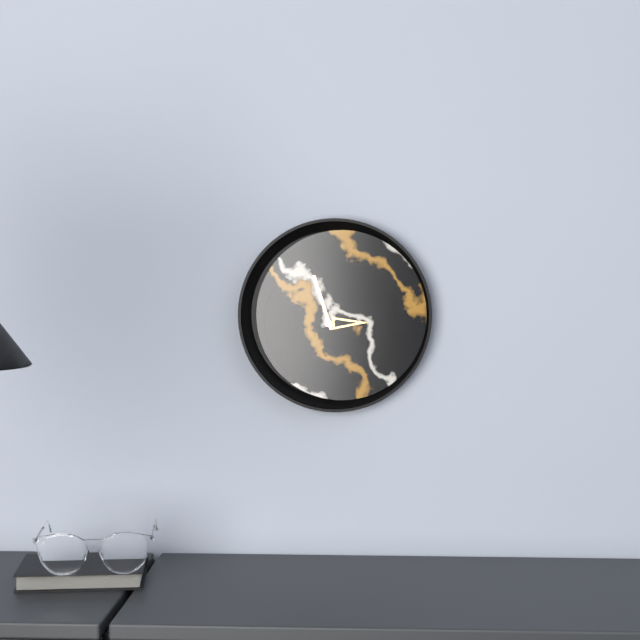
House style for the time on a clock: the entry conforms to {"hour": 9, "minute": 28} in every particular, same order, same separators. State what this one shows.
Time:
{"hour": 2, "minute": 57}
